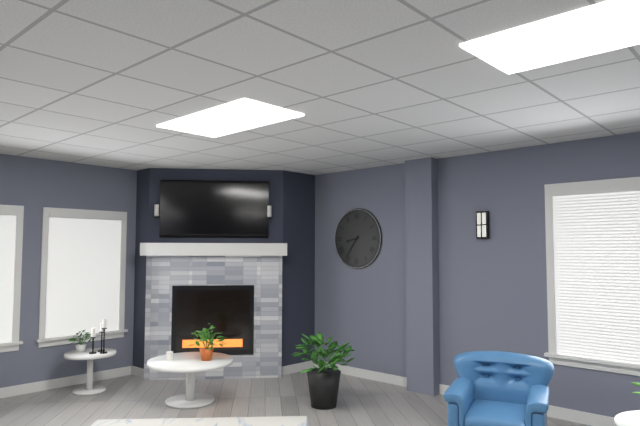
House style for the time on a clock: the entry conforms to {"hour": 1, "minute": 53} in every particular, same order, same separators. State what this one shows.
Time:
{"hour": 8, "minute": 36}
